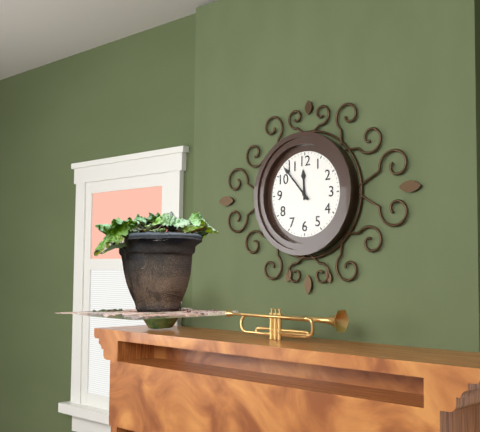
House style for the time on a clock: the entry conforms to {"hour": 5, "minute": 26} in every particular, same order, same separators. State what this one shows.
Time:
{"hour": 11, "minute": 53}
